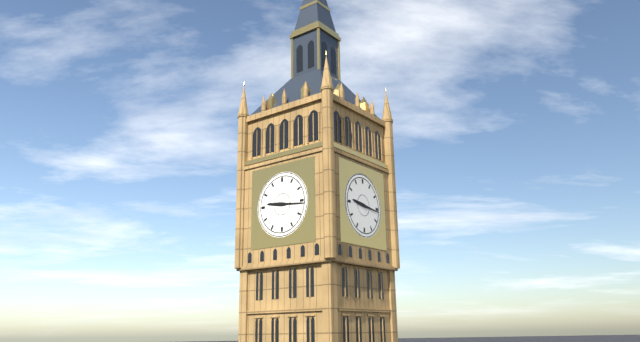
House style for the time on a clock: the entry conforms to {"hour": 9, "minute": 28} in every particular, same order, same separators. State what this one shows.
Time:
{"hour": 9, "minute": 16}
